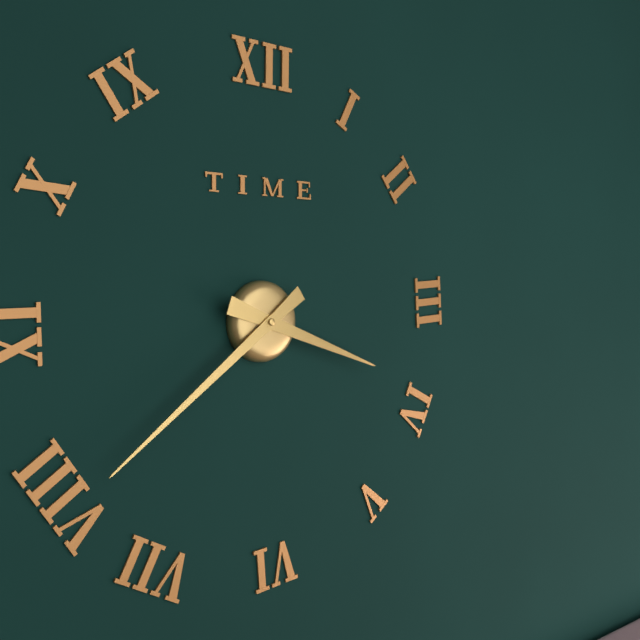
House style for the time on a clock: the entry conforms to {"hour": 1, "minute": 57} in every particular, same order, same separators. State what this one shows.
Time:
{"hour": 3, "minute": 39}
